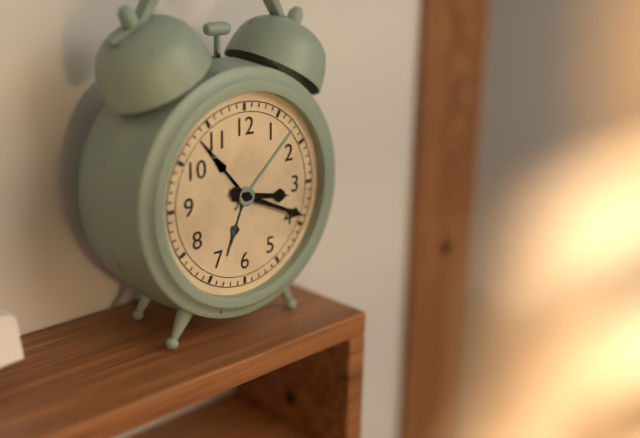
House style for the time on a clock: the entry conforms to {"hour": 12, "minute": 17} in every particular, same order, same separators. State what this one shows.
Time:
{"hour": 3, "minute": 19}
